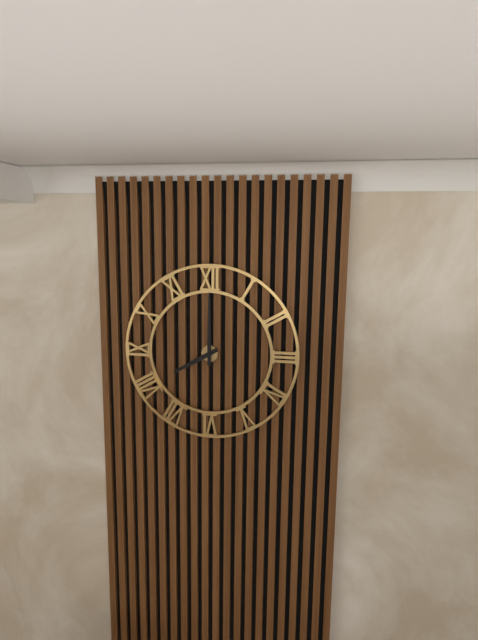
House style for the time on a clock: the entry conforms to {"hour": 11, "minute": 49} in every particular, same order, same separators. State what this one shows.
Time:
{"hour": 8, "minute": 0}
